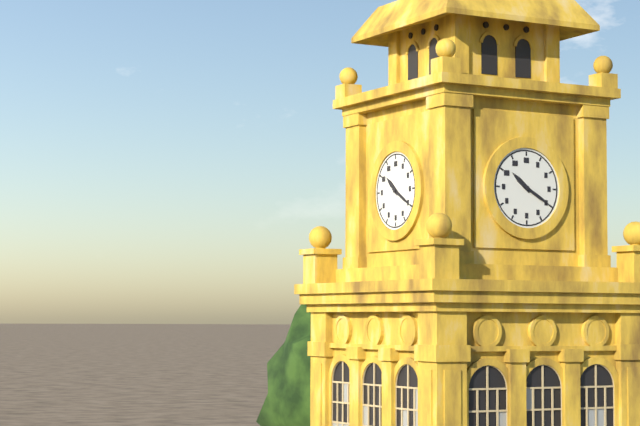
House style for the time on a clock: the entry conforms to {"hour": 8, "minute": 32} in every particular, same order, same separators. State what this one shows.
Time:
{"hour": 10, "minute": 20}
